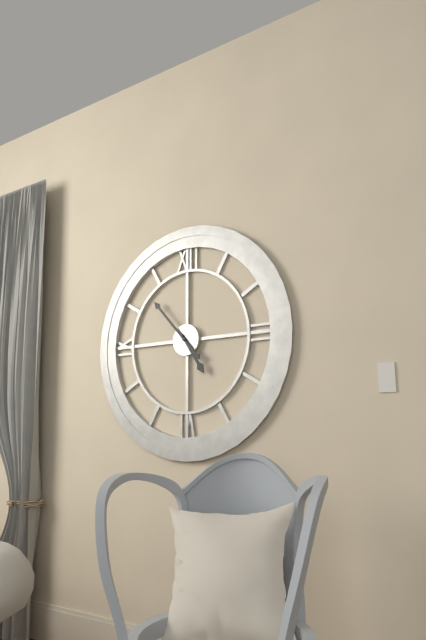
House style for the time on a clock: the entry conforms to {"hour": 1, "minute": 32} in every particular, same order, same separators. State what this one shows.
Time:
{"hour": 4, "minute": 53}
